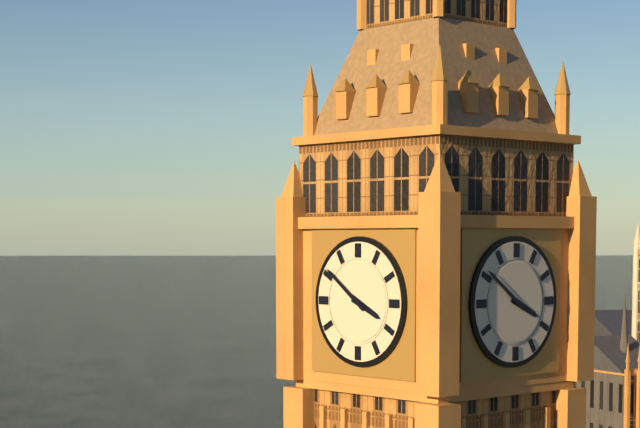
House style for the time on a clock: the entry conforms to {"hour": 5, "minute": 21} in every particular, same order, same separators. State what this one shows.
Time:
{"hour": 3, "minute": 51}
